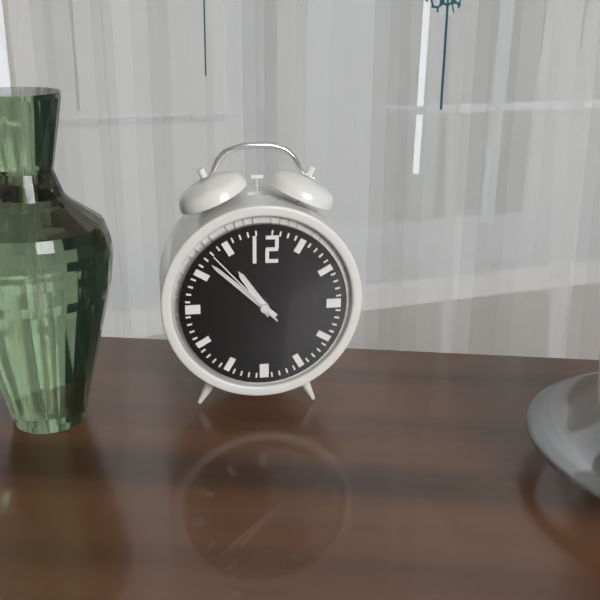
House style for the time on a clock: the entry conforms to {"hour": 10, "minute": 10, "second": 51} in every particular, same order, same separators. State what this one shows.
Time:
{"hour": 10, "minute": 52, "second": 53}
